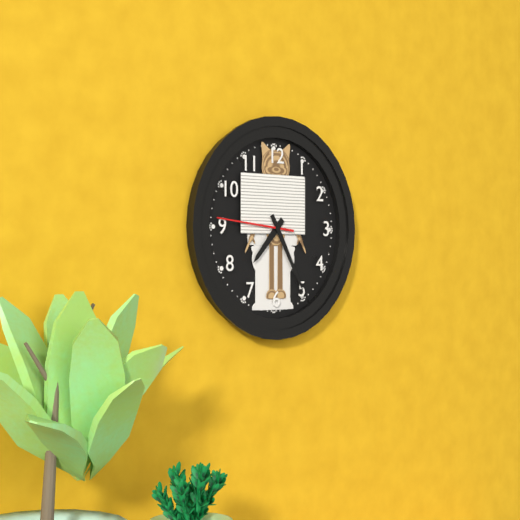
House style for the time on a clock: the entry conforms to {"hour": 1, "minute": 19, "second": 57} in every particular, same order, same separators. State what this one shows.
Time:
{"hour": 7, "minute": 25, "second": 46}
